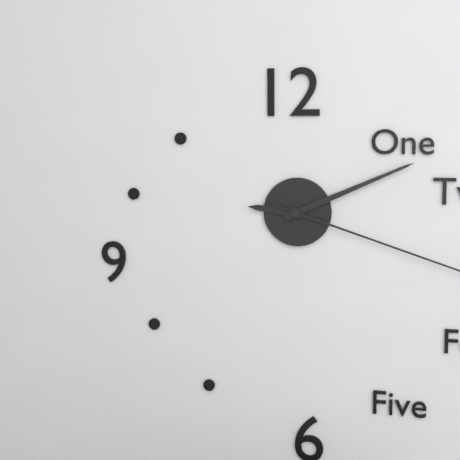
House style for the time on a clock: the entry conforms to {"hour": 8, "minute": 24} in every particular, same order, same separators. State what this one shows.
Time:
{"hour": 9, "minute": 11}
